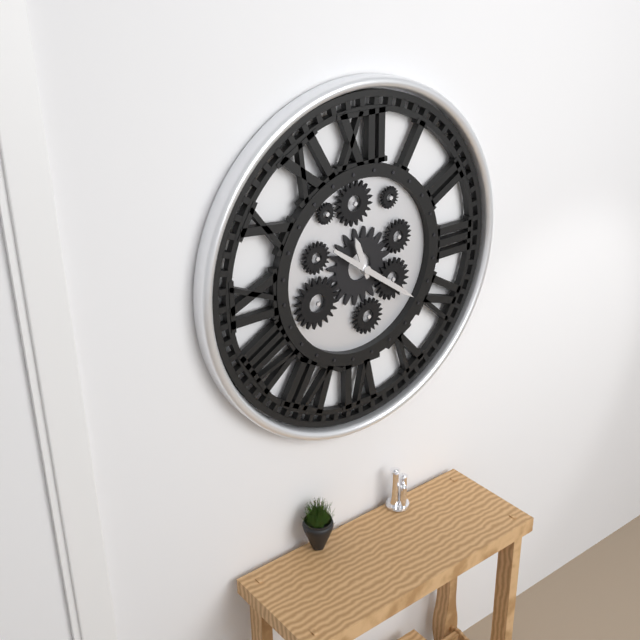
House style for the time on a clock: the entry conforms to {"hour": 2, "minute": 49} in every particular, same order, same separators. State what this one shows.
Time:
{"hour": 11, "minute": 21}
